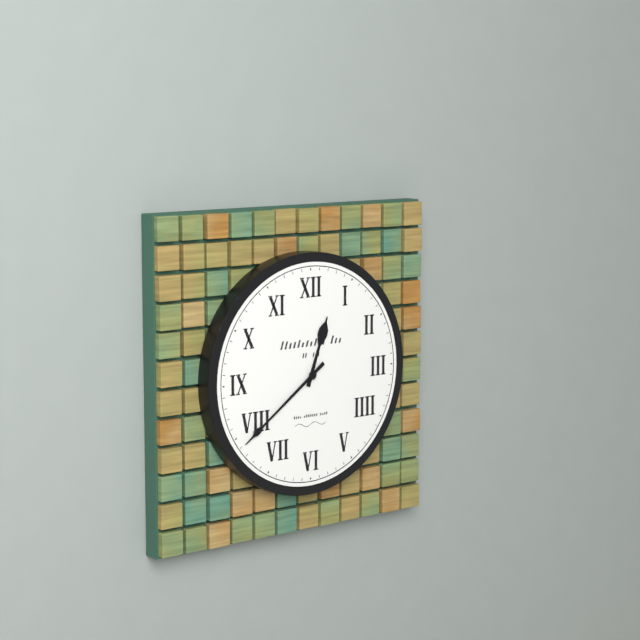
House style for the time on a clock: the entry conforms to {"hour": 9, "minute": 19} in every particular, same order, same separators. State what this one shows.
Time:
{"hour": 12, "minute": 39}
